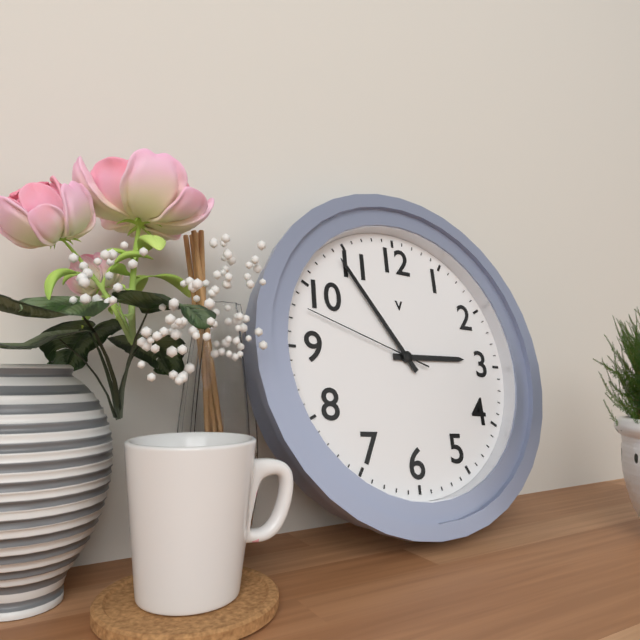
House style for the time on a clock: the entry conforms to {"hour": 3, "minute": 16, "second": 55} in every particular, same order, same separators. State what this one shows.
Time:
{"hour": 2, "minute": 54, "second": 48}
